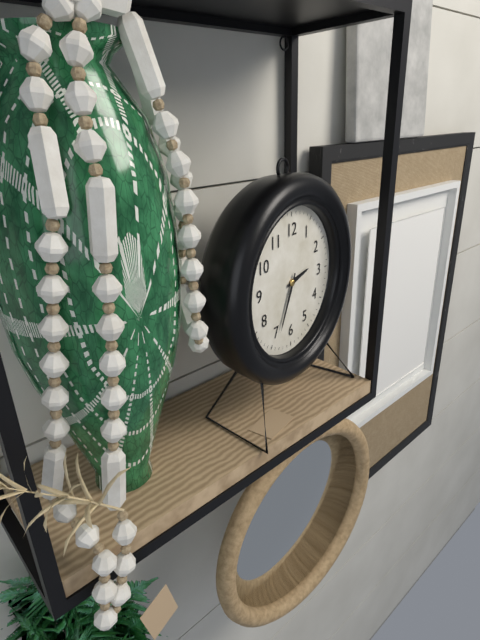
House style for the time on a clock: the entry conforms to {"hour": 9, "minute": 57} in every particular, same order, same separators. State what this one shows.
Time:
{"hour": 2, "minute": 34}
